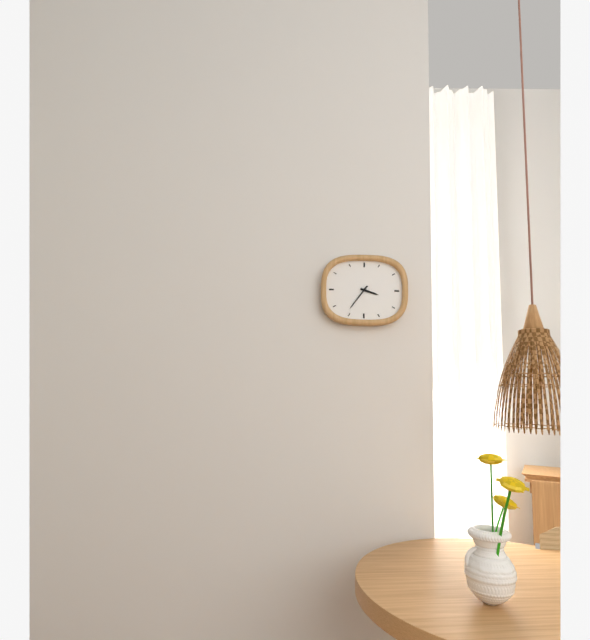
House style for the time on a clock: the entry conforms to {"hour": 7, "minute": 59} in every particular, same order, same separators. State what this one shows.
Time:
{"hour": 3, "minute": 36}
